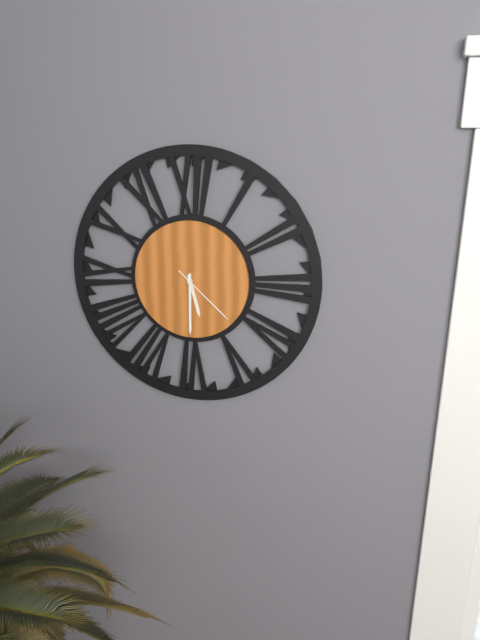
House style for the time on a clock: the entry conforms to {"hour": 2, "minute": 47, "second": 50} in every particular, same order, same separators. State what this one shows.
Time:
{"hour": 5, "minute": 30, "second": 22}
